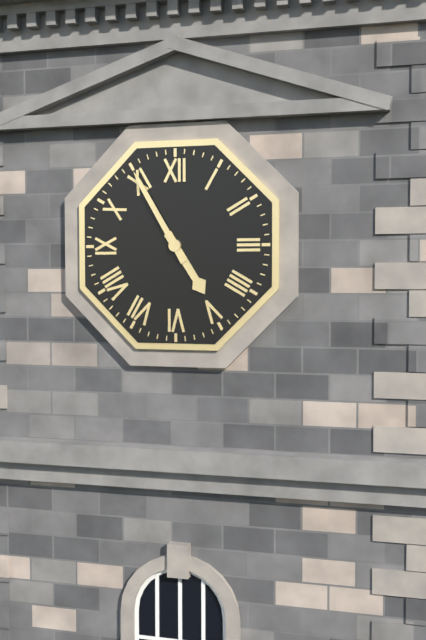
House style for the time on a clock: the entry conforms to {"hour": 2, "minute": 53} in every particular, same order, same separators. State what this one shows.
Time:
{"hour": 4, "minute": 55}
